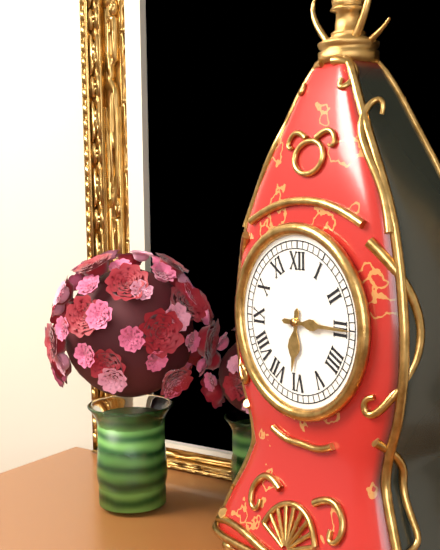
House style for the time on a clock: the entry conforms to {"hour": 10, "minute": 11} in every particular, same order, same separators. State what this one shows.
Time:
{"hour": 6, "minute": 15}
